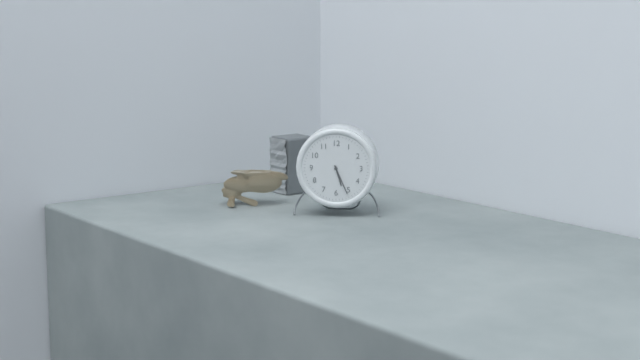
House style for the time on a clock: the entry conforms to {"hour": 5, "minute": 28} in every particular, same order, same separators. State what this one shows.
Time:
{"hour": 5, "minute": 26}
